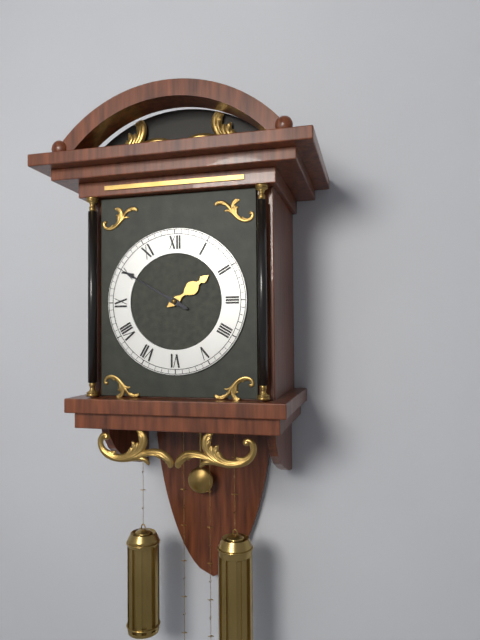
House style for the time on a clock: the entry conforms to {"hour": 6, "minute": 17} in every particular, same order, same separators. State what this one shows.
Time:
{"hour": 1, "minute": 50}
